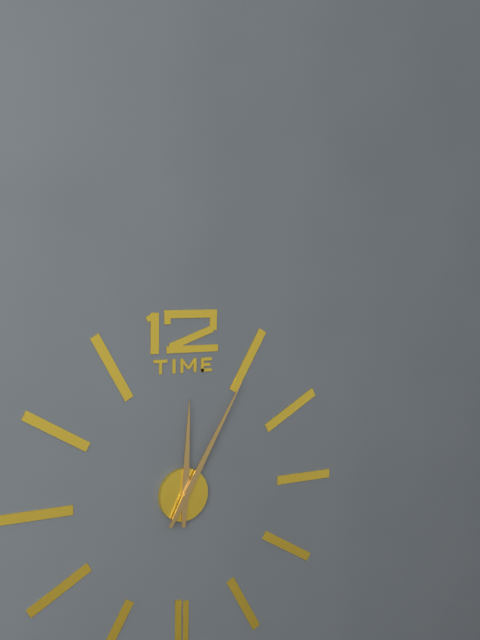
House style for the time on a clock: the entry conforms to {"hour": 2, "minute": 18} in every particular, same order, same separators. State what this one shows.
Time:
{"hour": 12, "minute": 5}
